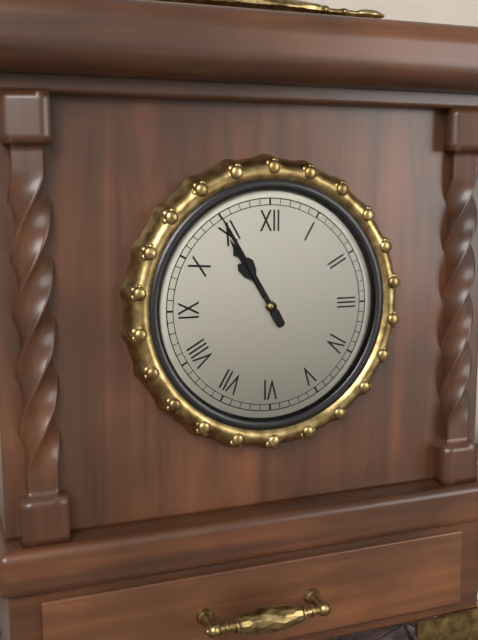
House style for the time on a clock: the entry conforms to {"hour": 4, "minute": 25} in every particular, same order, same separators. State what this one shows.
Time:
{"hour": 10, "minute": 55}
